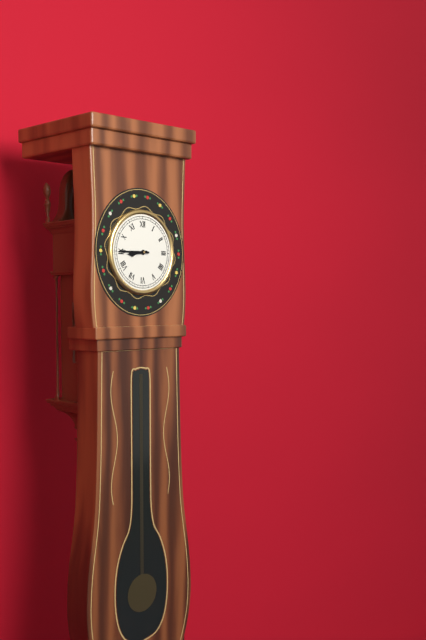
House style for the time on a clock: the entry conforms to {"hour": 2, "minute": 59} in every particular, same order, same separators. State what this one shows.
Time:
{"hour": 8, "minute": 45}
